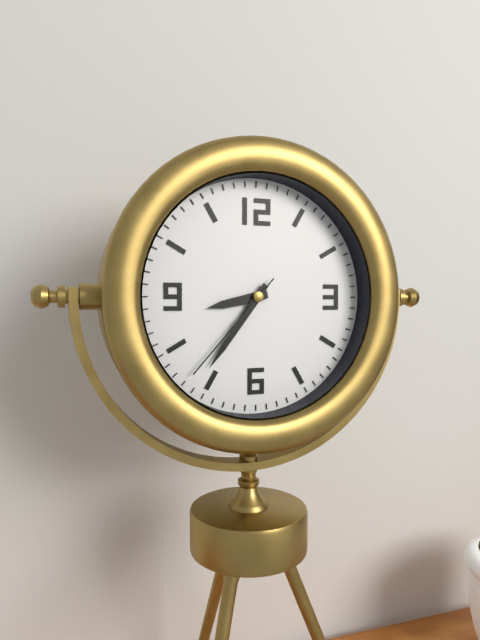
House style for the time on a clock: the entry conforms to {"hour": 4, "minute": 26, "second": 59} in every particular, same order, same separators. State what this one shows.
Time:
{"hour": 8, "minute": 36, "second": 37}
